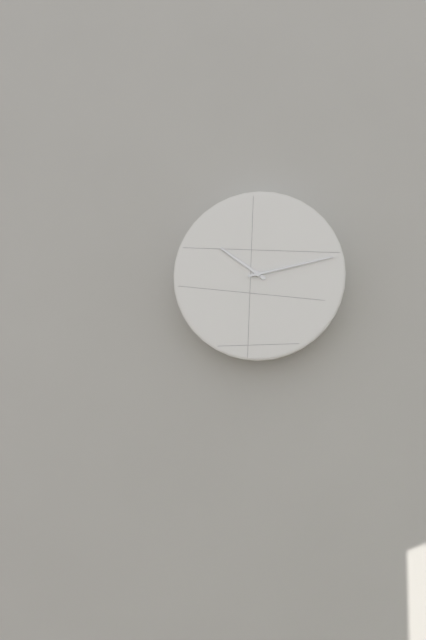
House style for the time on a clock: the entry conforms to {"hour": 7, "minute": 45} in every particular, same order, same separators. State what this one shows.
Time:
{"hour": 10, "minute": 13}
